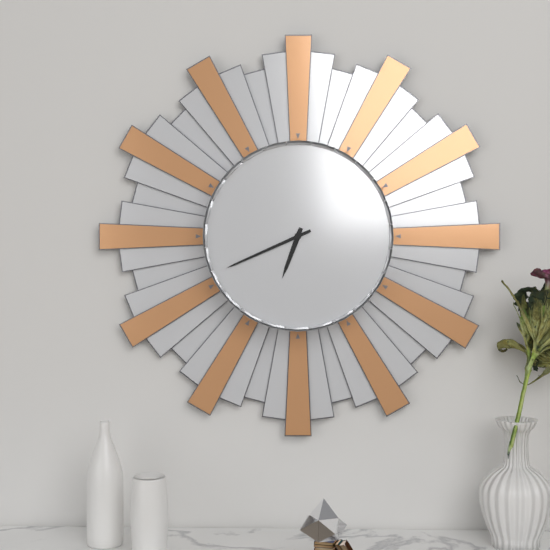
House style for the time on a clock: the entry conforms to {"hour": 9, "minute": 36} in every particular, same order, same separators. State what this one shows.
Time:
{"hour": 6, "minute": 41}
